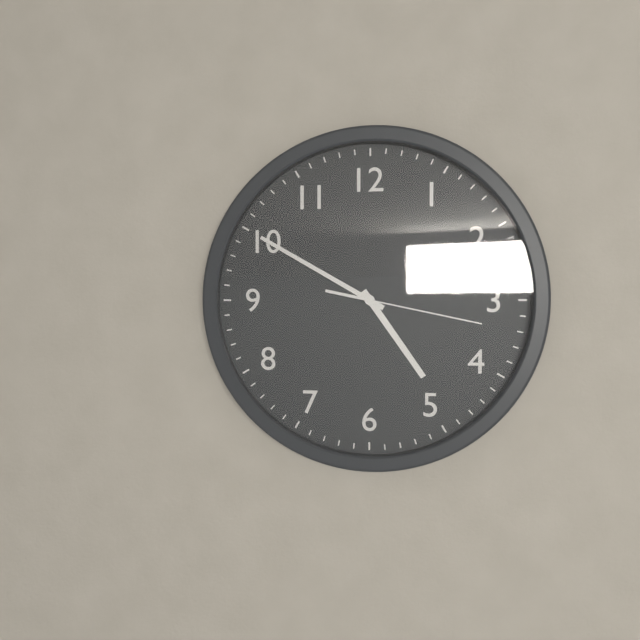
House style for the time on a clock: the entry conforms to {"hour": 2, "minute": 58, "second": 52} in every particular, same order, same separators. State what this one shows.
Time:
{"hour": 4, "minute": 50, "second": 17}
